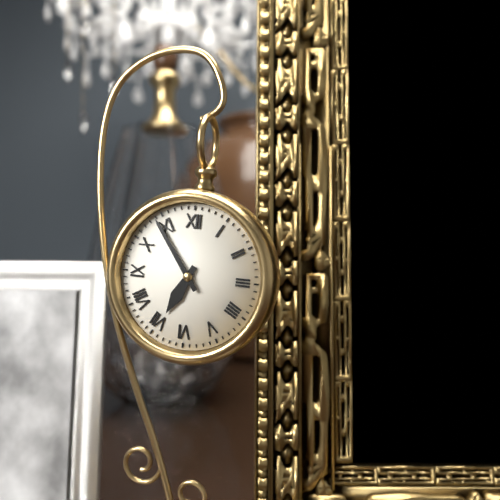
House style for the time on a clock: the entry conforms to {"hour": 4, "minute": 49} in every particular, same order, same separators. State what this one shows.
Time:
{"hour": 6, "minute": 54}
